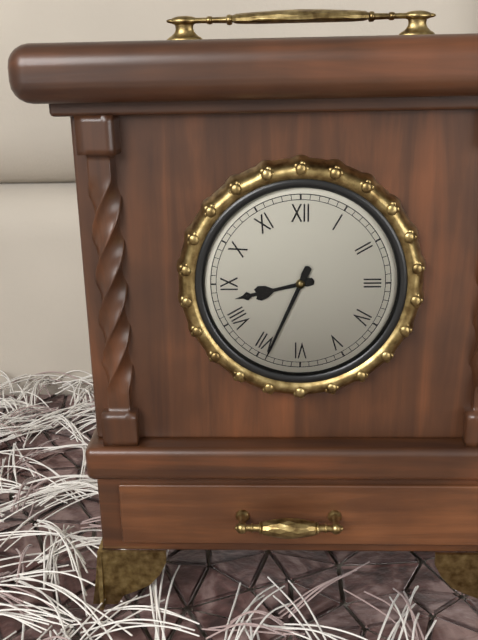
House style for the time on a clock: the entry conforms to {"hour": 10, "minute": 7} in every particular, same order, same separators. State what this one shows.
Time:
{"hour": 8, "minute": 34}
